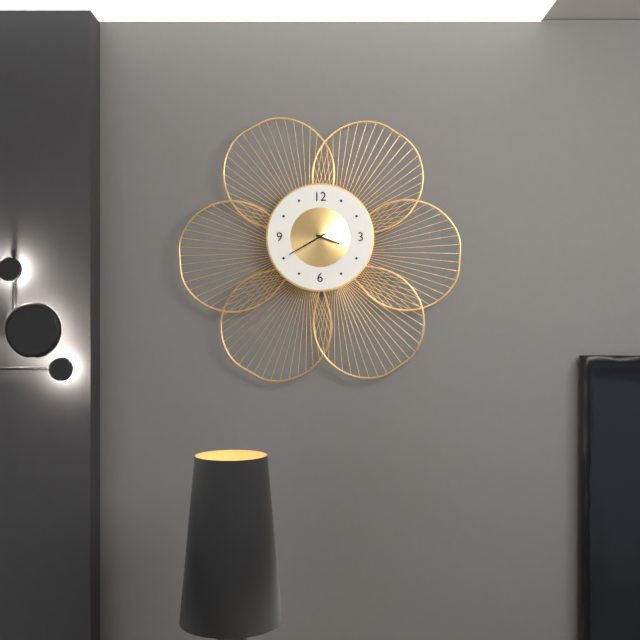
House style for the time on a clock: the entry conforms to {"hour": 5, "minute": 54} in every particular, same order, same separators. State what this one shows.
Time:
{"hour": 3, "minute": 40}
